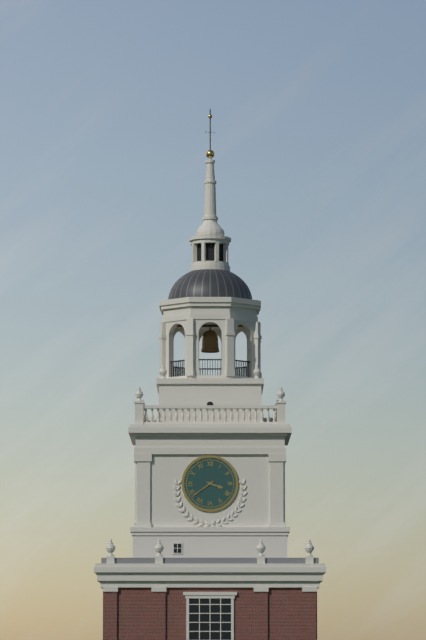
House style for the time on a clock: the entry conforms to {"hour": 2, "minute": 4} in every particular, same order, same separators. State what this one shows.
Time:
{"hour": 3, "minute": 39}
